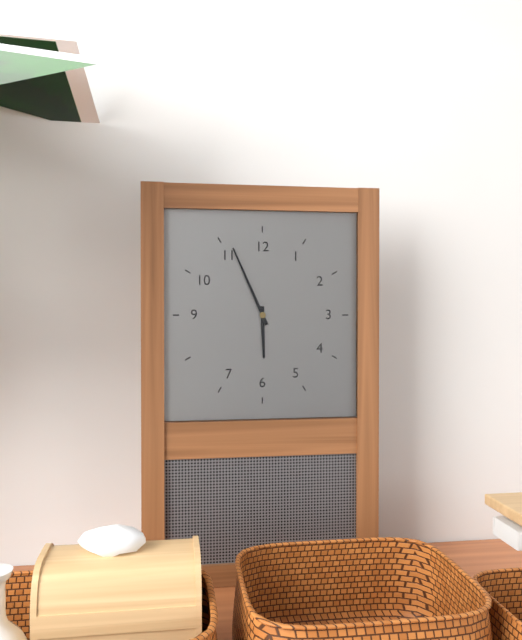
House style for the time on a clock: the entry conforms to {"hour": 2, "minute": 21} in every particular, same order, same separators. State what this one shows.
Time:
{"hour": 5, "minute": 56}
